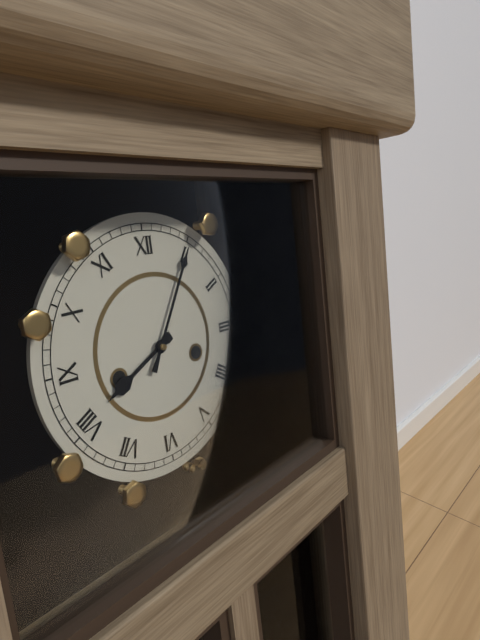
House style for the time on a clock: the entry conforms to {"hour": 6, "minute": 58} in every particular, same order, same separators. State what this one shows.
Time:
{"hour": 8, "minute": 5}
